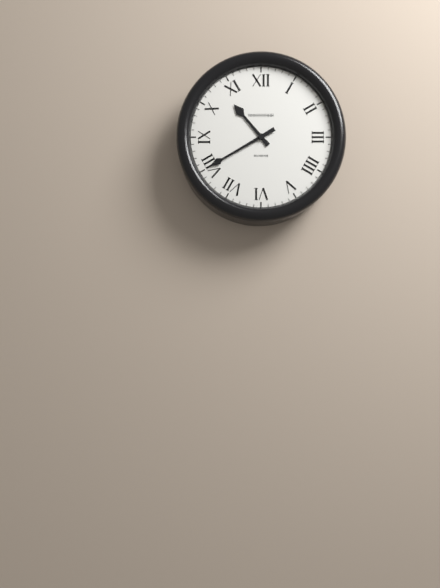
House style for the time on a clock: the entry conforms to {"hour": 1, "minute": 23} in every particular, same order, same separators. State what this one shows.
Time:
{"hour": 10, "minute": 40}
